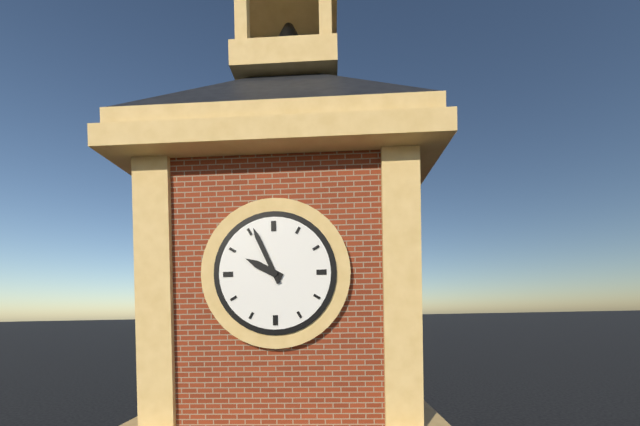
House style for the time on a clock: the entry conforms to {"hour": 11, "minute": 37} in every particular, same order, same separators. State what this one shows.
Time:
{"hour": 9, "minute": 56}
